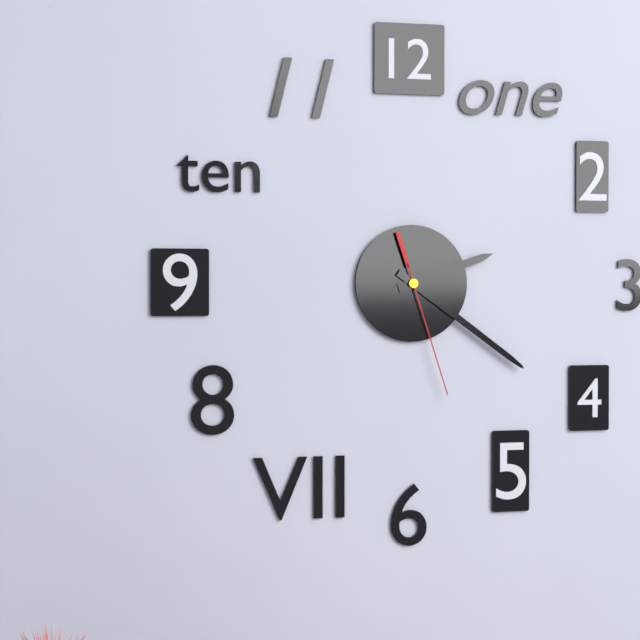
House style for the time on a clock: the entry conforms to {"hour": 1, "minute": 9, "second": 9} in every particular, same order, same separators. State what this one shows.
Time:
{"hour": 2, "minute": 21, "second": 27}
